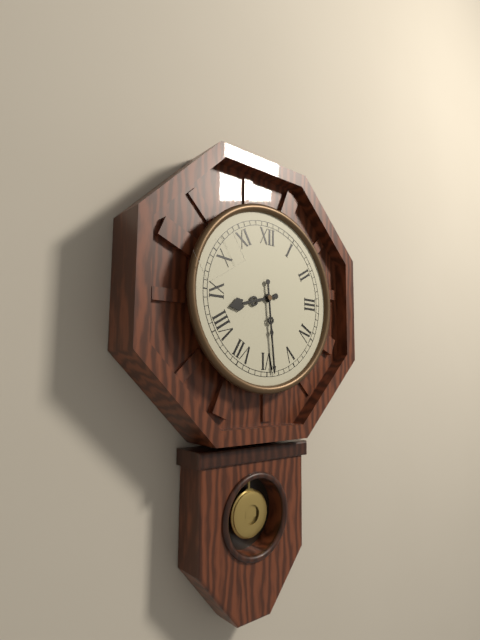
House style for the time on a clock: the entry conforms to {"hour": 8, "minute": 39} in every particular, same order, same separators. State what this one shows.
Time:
{"hour": 8, "minute": 29}
